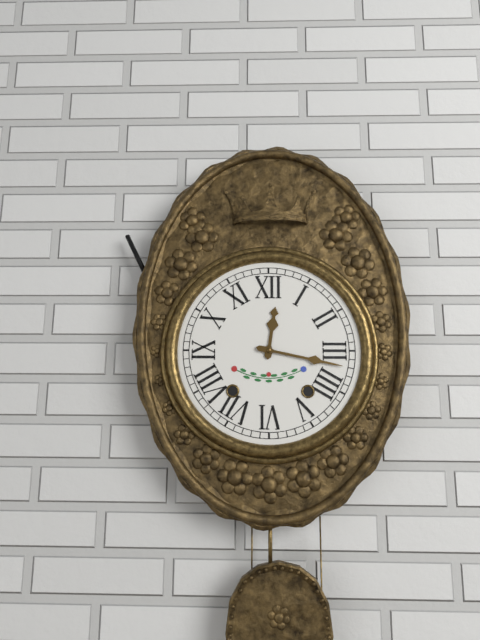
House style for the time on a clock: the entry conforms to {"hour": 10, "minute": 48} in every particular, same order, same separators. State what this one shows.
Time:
{"hour": 12, "minute": 17}
